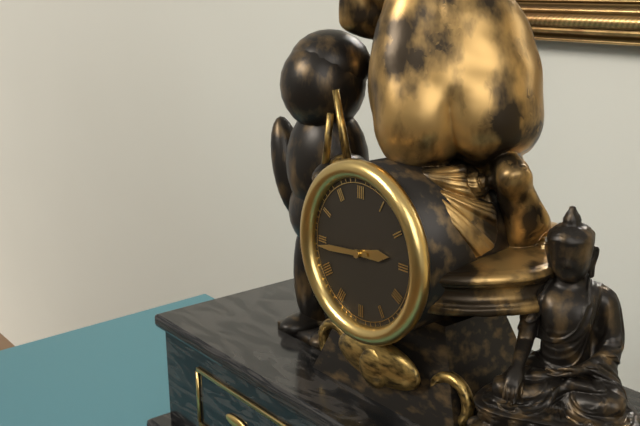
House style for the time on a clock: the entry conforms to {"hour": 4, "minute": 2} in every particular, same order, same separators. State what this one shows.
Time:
{"hour": 2, "minute": 44}
